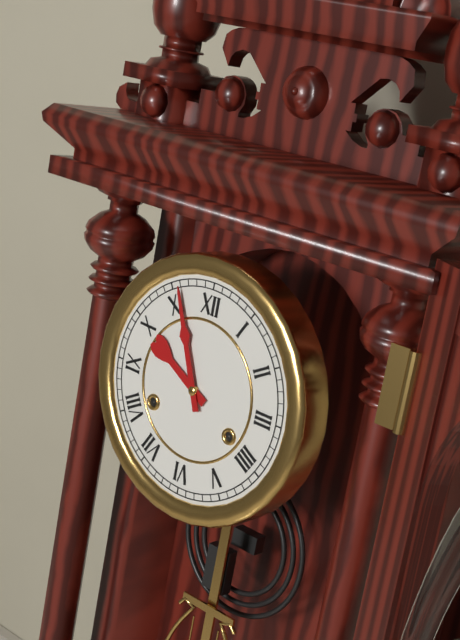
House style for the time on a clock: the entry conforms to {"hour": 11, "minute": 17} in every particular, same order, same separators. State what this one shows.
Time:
{"hour": 9, "minute": 56}
